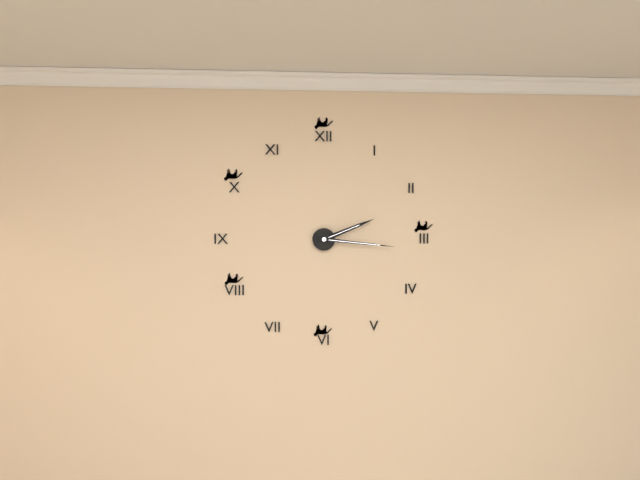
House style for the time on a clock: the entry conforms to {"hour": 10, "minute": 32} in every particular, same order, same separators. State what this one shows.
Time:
{"hour": 2, "minute": 16}
